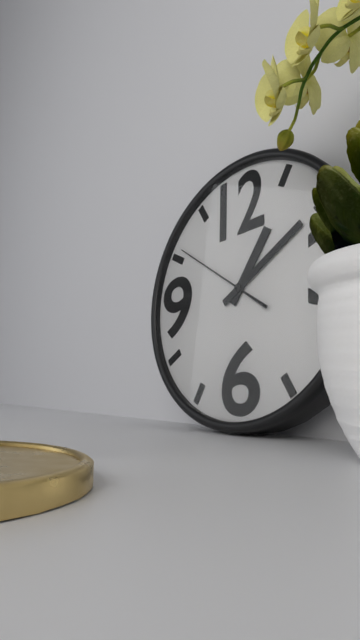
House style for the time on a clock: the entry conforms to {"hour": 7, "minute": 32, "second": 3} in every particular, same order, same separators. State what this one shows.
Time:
{"hour": 1, "minute": 10, "second": 51}
